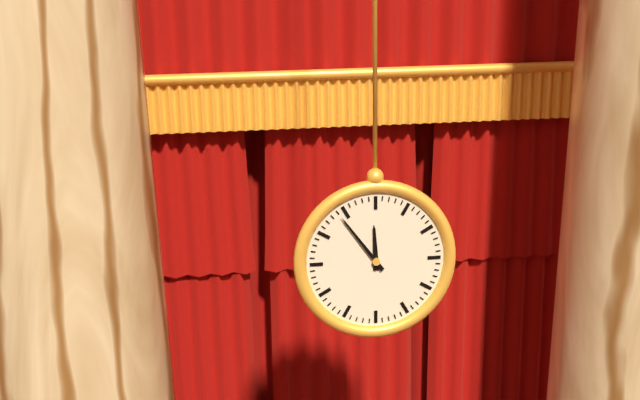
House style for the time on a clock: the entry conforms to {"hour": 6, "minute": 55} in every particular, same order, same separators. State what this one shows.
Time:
{"hour": 11, "minute": 54}
